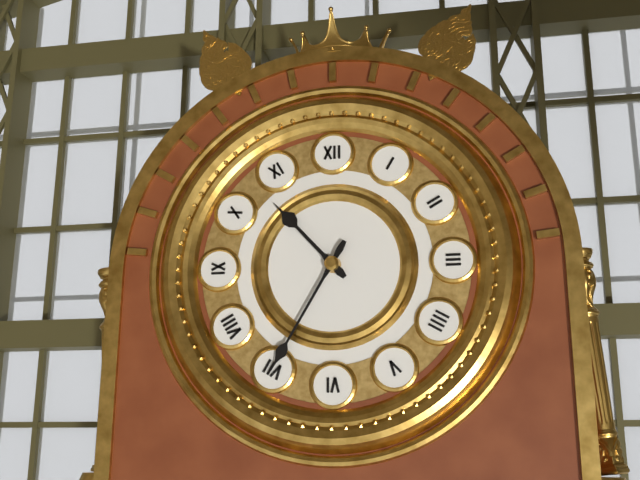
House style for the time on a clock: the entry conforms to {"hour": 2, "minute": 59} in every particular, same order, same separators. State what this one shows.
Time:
{"hour": 10, "minute": 35}
